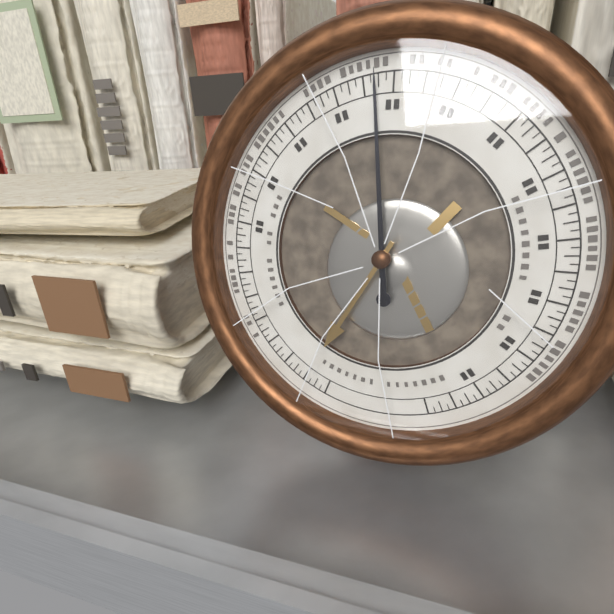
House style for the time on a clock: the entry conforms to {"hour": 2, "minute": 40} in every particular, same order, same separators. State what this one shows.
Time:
{"hour": 6, "minute": 59}
